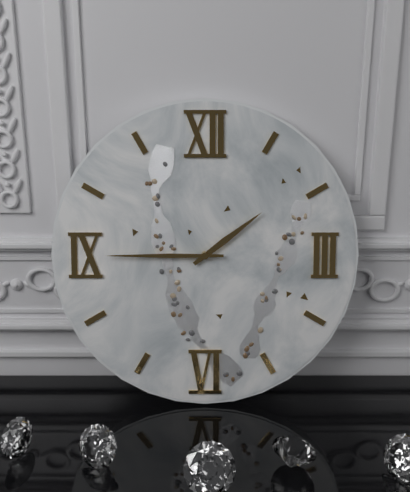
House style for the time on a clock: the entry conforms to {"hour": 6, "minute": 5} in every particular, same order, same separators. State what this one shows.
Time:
{"hour": 1, "minute": 45}
